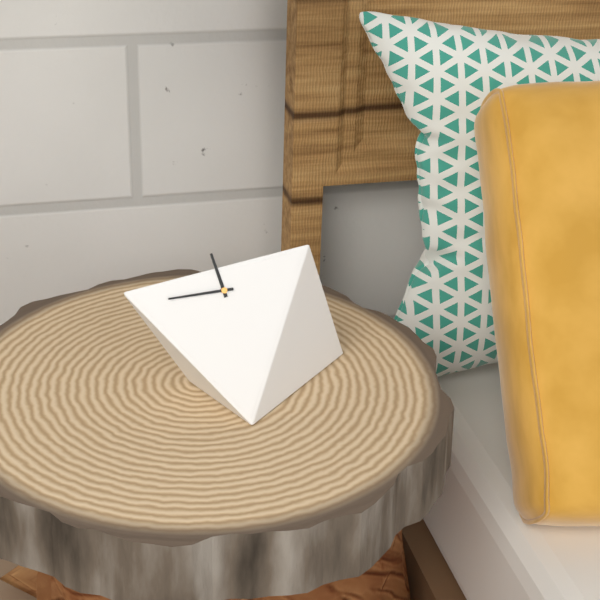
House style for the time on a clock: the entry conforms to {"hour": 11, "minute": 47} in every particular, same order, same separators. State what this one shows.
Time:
{"hour": 11, "minute": 46}
